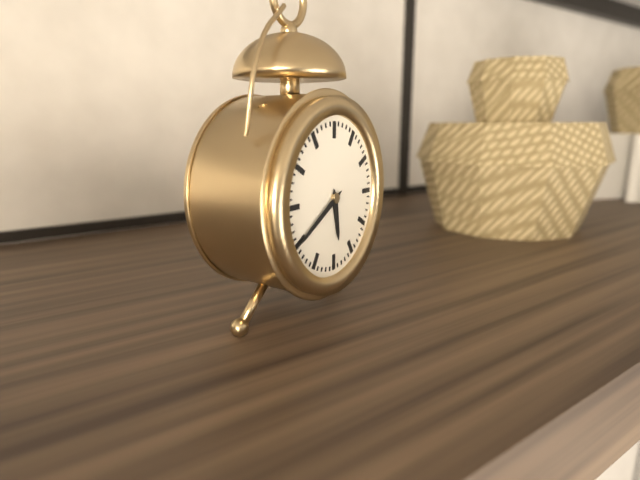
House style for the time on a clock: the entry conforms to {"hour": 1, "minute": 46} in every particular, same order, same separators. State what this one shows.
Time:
{"hour": 5, "minute": 40}
